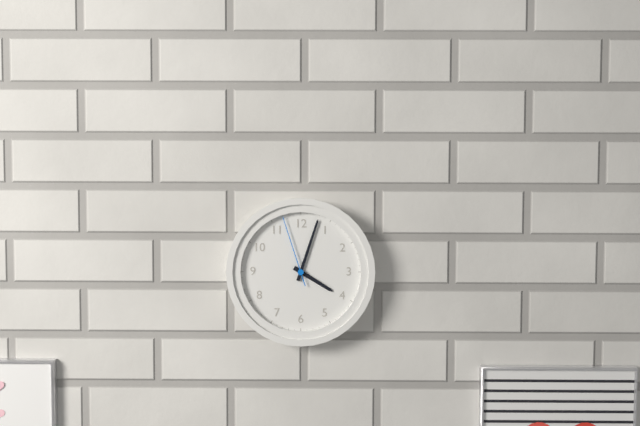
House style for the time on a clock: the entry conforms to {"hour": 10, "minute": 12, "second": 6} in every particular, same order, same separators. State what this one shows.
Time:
{"hour": 4, "minute": 3, "second": 57}
